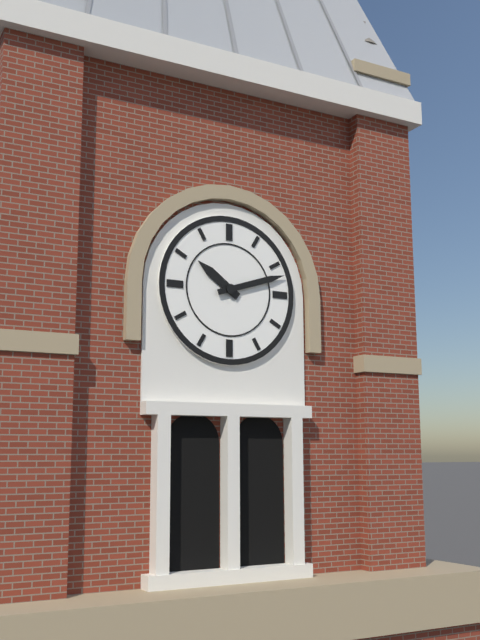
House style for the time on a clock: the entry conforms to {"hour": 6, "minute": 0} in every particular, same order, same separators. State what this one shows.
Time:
{"hour": 10, "minute": 12}
